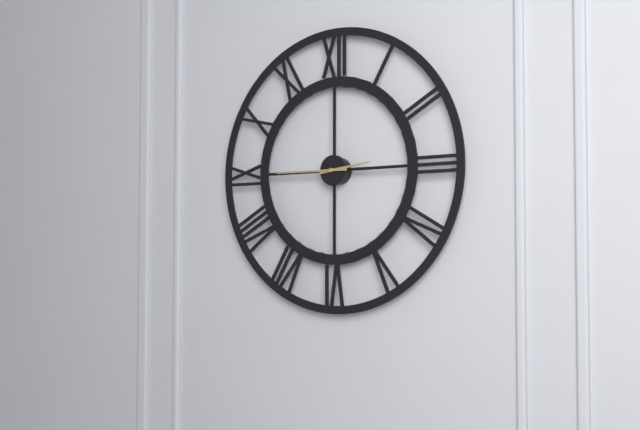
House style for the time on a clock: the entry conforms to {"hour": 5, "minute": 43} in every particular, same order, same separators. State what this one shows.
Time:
{"hour": 2, "minute": 45}
